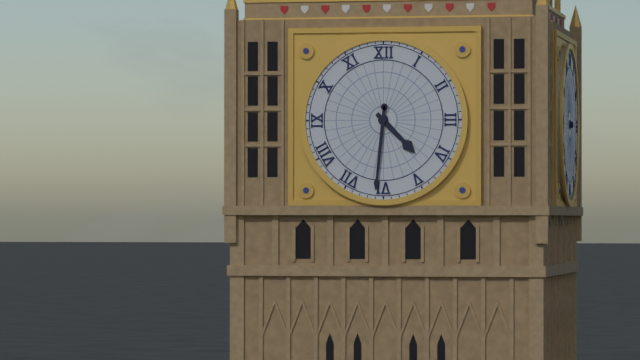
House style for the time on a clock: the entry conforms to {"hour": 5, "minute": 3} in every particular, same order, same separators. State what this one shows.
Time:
{"hour": 4, "minute": 31}
